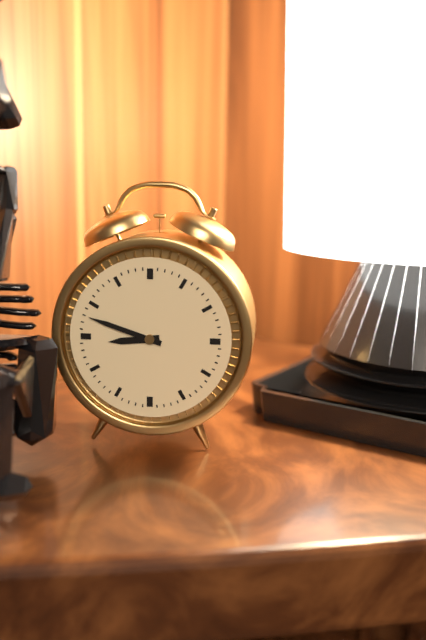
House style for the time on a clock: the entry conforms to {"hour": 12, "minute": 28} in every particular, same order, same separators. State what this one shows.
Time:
{"hour": 8, "minute": 48}
